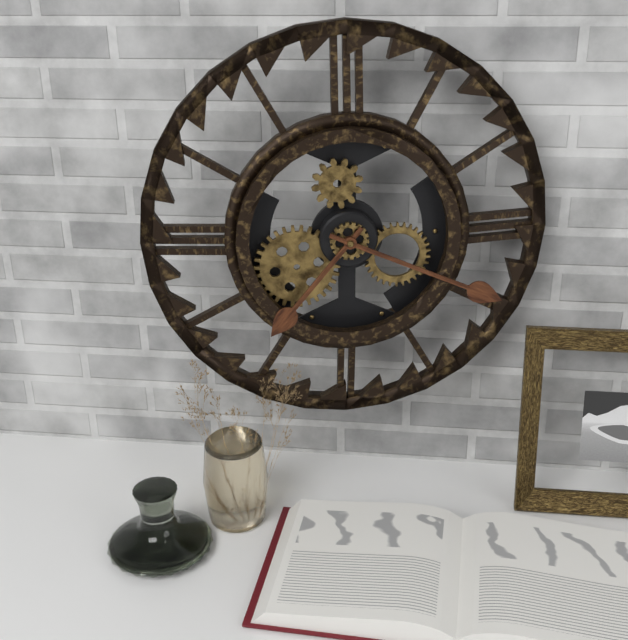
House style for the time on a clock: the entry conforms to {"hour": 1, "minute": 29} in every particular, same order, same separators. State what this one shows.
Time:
{"hour": 7, "minute": 19}
